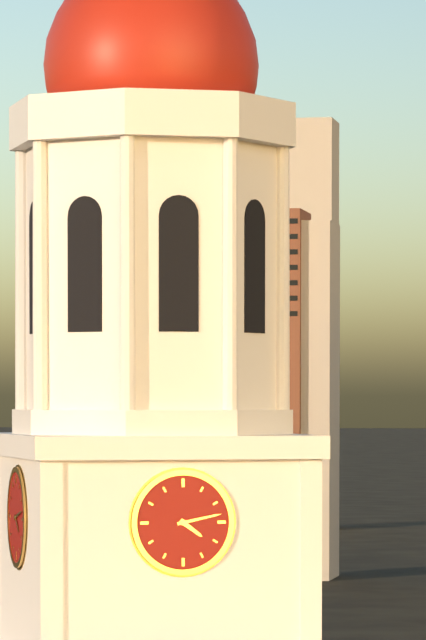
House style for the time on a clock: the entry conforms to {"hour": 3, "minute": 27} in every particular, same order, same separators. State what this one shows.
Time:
{"hour": 4, "minute": 13}
